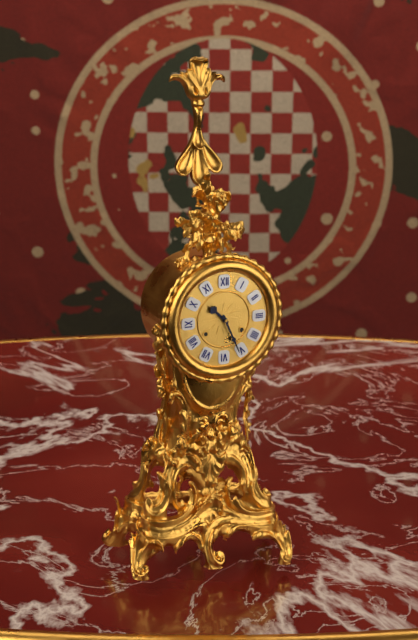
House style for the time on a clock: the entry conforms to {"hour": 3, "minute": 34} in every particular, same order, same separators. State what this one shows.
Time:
{"hour": 10, "minute": 26}
